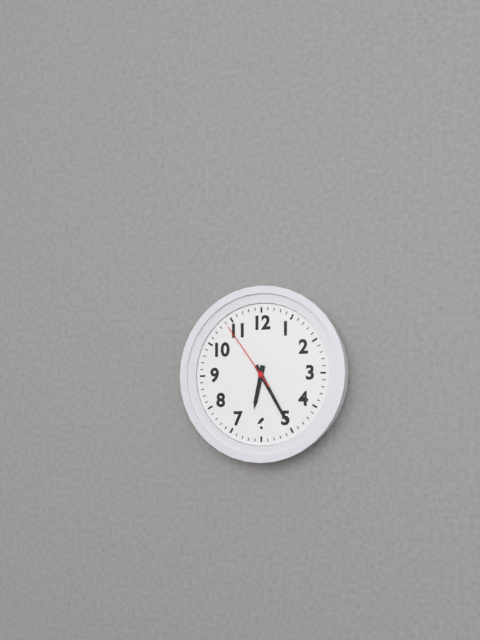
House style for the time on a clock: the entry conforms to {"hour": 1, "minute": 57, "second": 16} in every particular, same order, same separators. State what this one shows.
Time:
{"hour": 6, "minute": 25, "second": 54}
